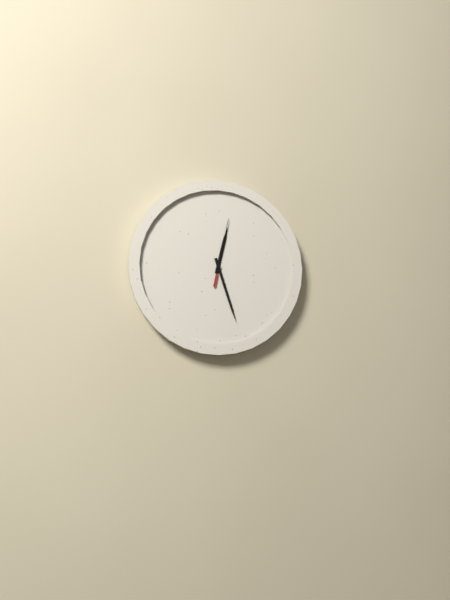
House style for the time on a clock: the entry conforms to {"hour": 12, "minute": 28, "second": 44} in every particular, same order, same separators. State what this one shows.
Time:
{"hour": 12, "minute": 27, "second": 2}
